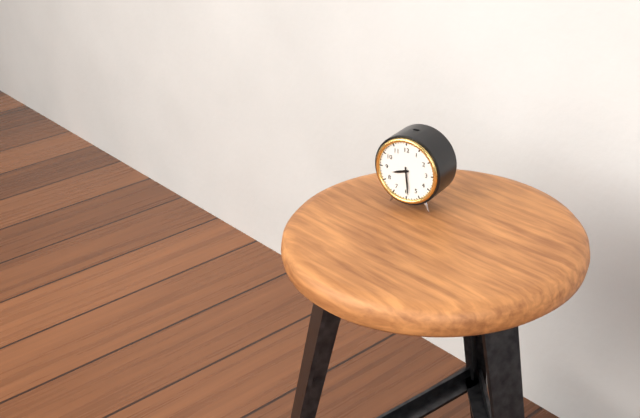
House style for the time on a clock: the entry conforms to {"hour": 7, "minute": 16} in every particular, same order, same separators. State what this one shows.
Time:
{"hour": 8, "minute": 29}
